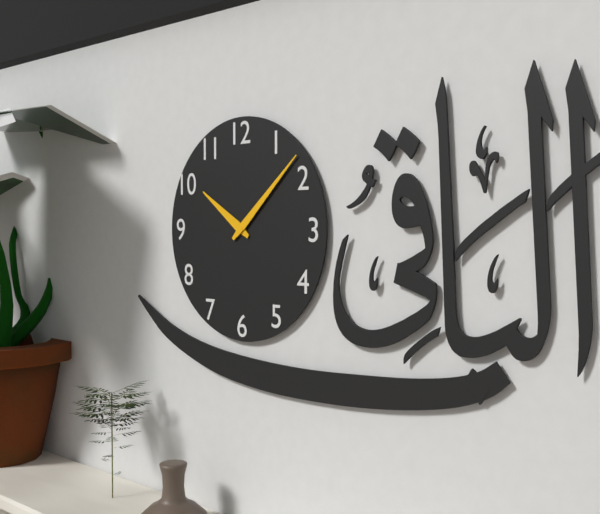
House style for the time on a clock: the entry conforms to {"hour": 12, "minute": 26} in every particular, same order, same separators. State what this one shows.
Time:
{"hour": 10, "minute": 8}
